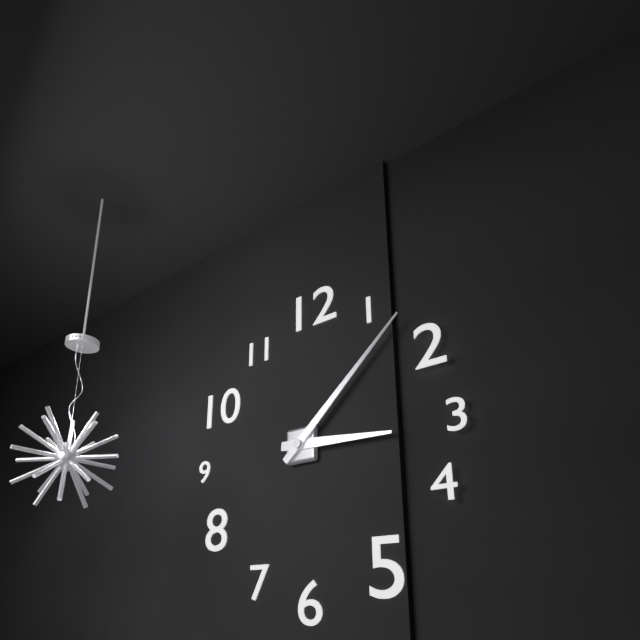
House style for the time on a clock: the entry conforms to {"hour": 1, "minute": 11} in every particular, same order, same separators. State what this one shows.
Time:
{"hour": 3, "minute": 8}
